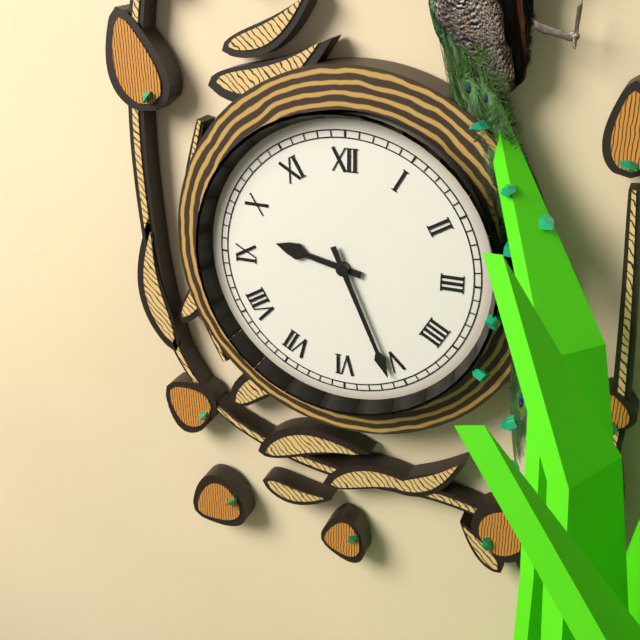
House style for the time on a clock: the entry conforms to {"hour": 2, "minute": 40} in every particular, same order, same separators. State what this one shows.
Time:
{"hour": 9, "minute": 26}
